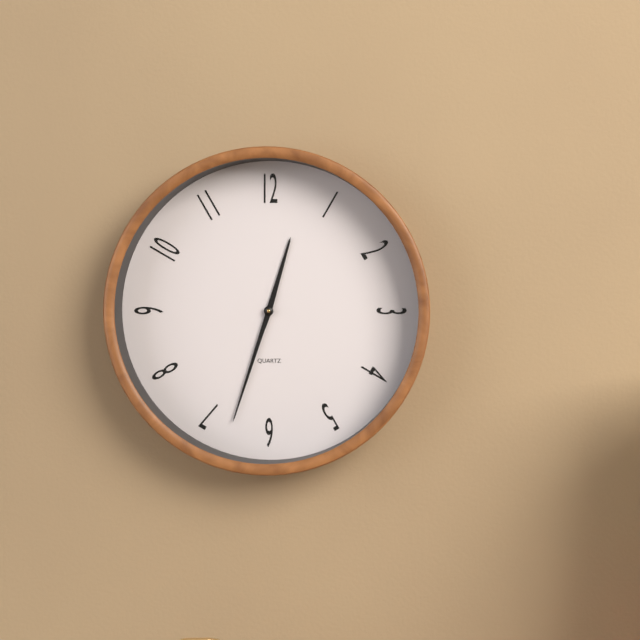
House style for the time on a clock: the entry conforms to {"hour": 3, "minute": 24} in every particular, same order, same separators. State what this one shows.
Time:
{"hour": 12, "minute": 33}
